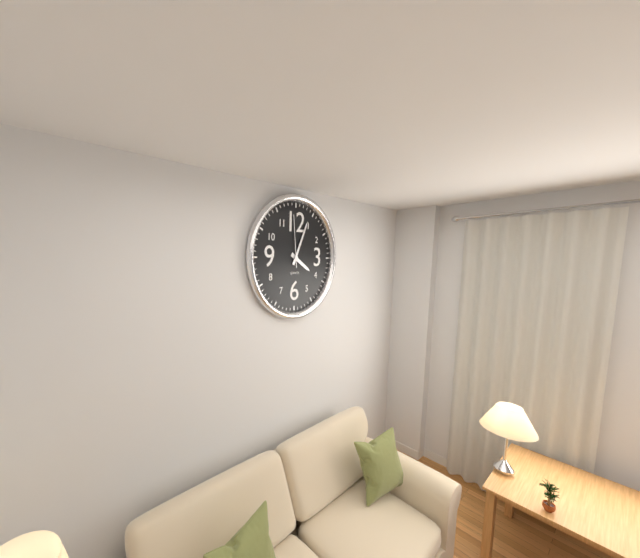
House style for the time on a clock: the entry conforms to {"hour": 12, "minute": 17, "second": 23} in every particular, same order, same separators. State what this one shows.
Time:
{"hour": 4, "minute": 4, "second": 59}
